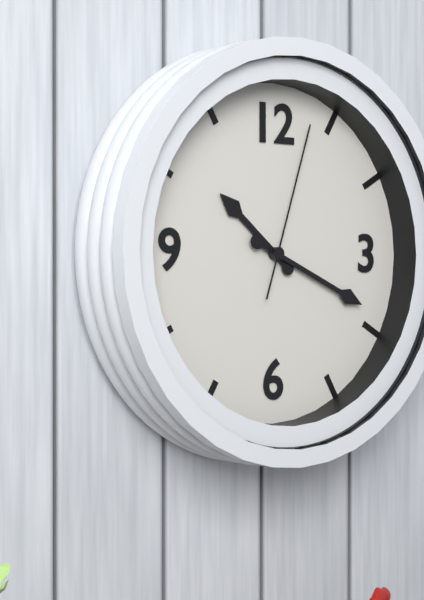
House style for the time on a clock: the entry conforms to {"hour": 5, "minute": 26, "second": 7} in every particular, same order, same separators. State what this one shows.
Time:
{"hour": 10, "minute": 19, "second": 3}
